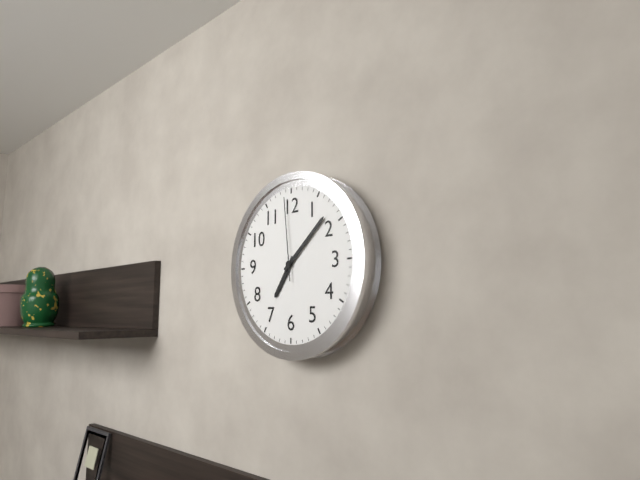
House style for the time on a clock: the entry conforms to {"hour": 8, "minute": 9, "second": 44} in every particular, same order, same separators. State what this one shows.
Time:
{"hour": 7, "minute": 8, "second": 59}
